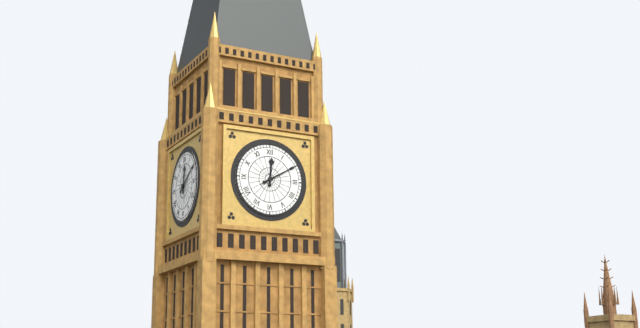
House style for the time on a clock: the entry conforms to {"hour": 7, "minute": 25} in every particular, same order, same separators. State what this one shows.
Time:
{"hour": 12, "minute": 10}
